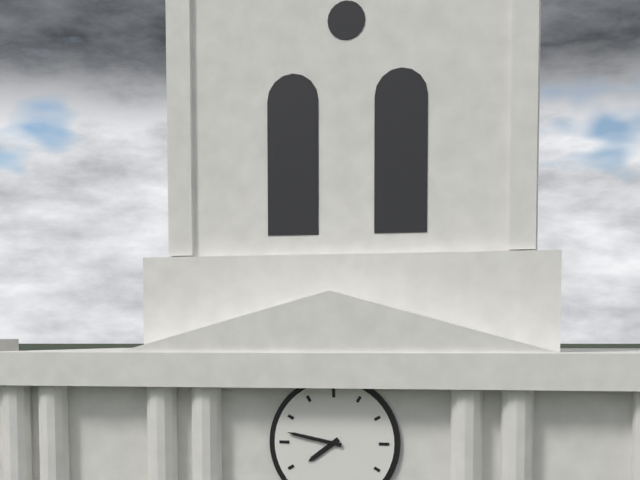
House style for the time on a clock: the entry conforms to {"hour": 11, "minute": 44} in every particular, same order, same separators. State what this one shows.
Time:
{"hour": 7, "minute": 47}
